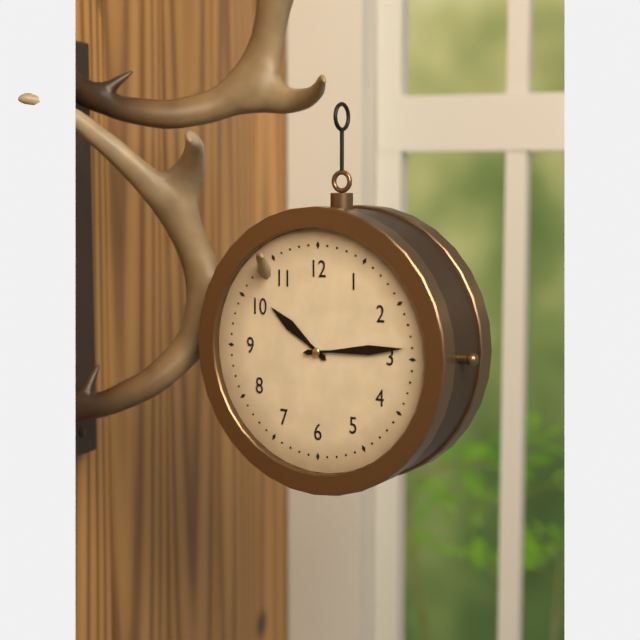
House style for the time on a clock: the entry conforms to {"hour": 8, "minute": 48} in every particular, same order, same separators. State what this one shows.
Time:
{"hour": 10, "minute": 14}
